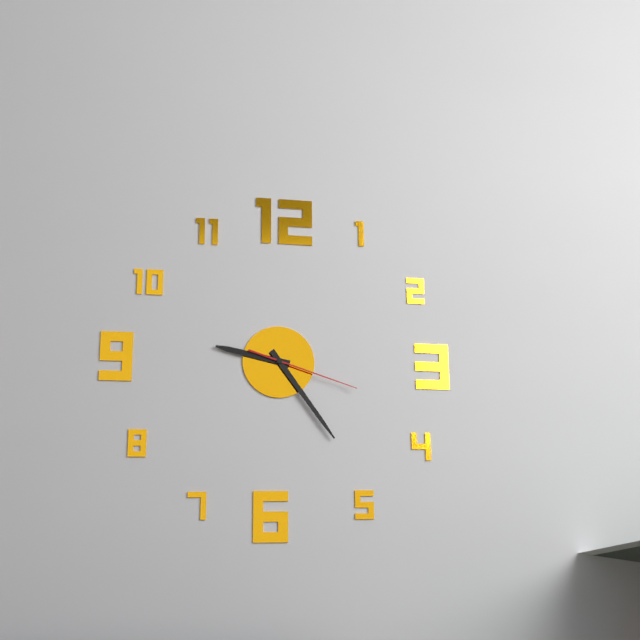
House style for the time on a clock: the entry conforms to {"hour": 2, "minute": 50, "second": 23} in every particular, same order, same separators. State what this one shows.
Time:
{"hour": 9, "minute": 24, "second": 18}
